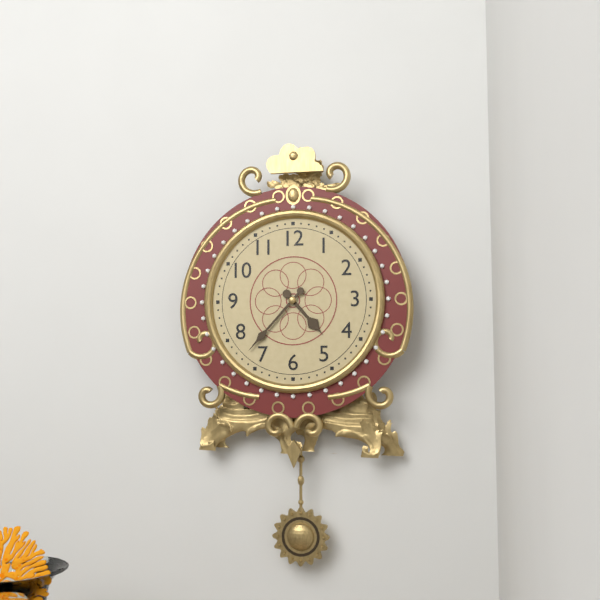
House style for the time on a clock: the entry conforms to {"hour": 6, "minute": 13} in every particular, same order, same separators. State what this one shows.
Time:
{"hour": 4, "minute": 37}
